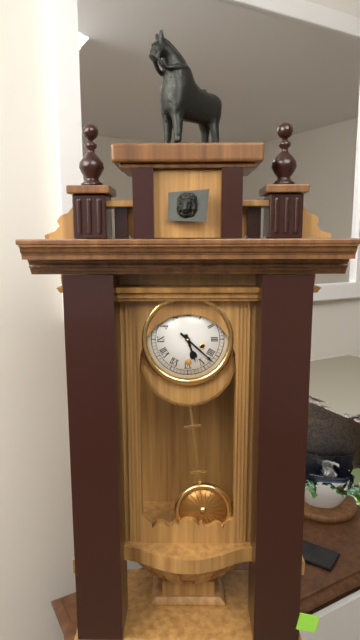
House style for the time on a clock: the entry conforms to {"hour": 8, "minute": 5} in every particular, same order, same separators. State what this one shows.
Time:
{"hour": 5, "minute": 22}
